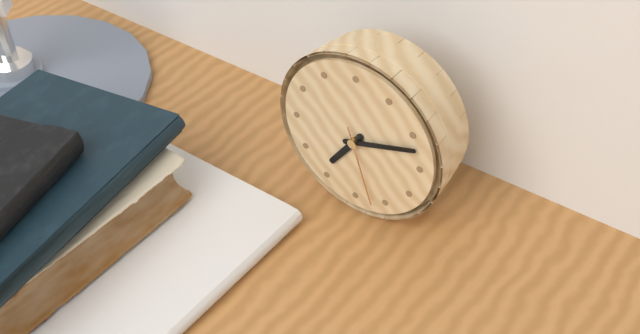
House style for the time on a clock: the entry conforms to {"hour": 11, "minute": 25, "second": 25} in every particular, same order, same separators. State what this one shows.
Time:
{"hour": 7, "minute": 12, "second": 27}
